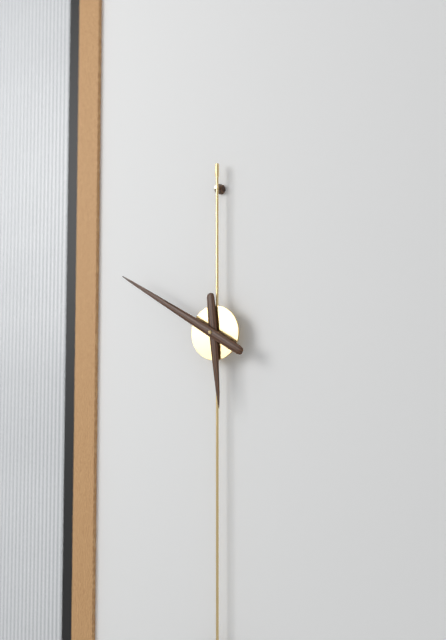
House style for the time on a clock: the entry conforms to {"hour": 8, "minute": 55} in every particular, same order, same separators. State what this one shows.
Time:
{"hour": 5, "minute": 50}
